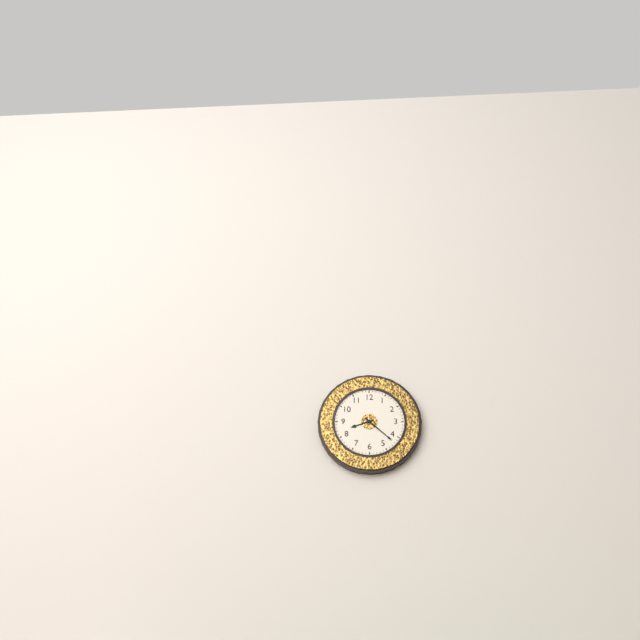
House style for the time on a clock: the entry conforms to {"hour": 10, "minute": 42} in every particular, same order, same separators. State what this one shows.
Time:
{"hour": 8, "minute": 22}
